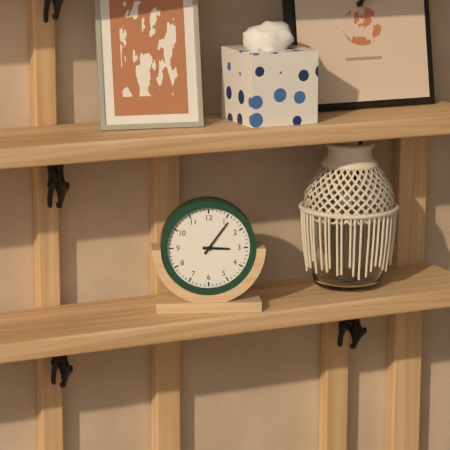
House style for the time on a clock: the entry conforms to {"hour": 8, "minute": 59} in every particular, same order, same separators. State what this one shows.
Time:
{"hour": 3, "minute": 6}
